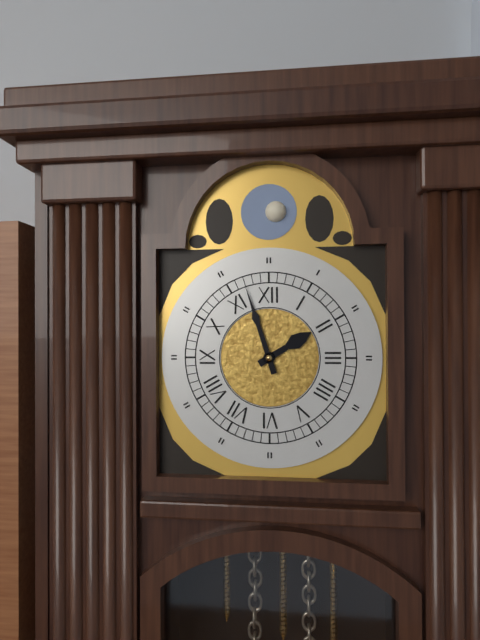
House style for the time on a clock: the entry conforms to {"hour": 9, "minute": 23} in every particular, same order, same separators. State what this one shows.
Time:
{"hour": 1, "minute": 57}
